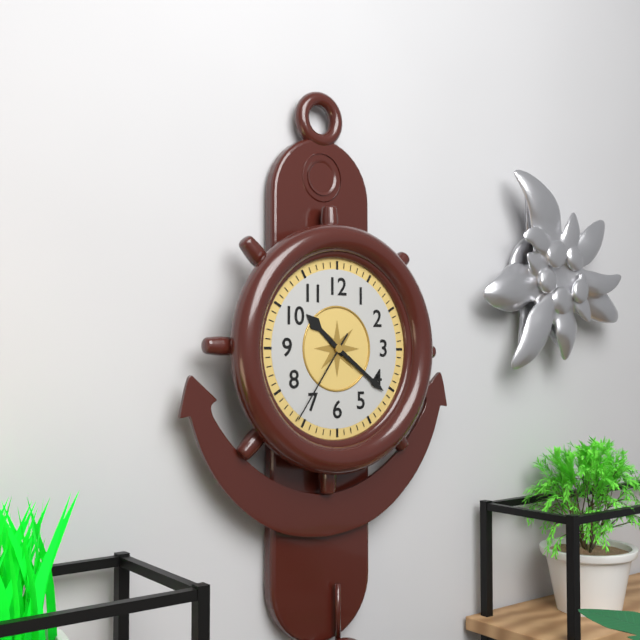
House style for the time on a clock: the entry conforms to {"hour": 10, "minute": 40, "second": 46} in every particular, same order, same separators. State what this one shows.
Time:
{"hour": 10, "minute": 21, "second": 36}
